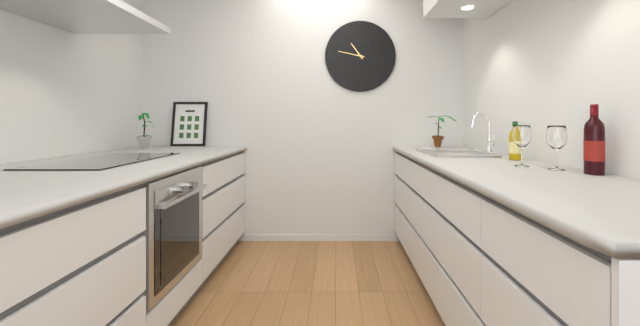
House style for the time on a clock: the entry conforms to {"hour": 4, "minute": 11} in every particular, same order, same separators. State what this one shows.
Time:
{"hour": 10, "minute": 47}
